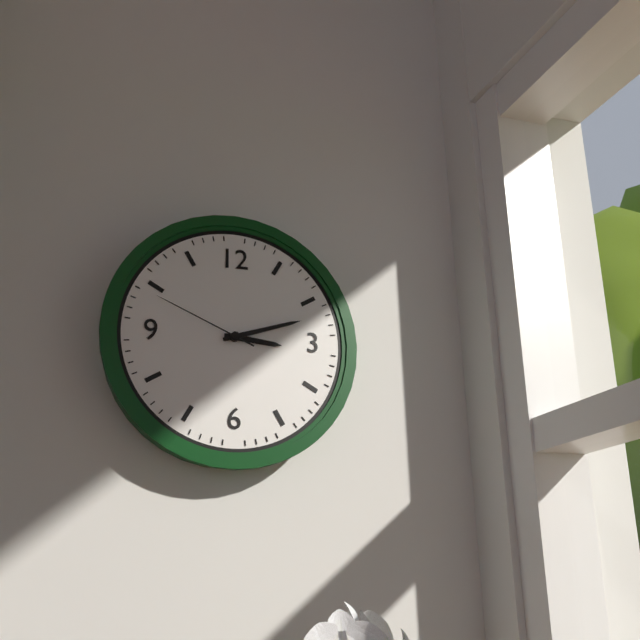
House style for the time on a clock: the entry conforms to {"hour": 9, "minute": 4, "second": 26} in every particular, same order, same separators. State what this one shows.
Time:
{"hour": 3, "minute": 12, "second": 49}
